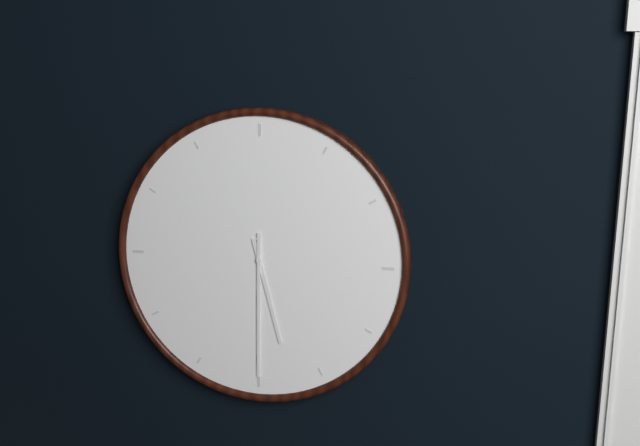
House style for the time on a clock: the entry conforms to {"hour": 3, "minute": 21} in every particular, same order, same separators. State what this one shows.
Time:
{"hour": 5, "minute": 30}
